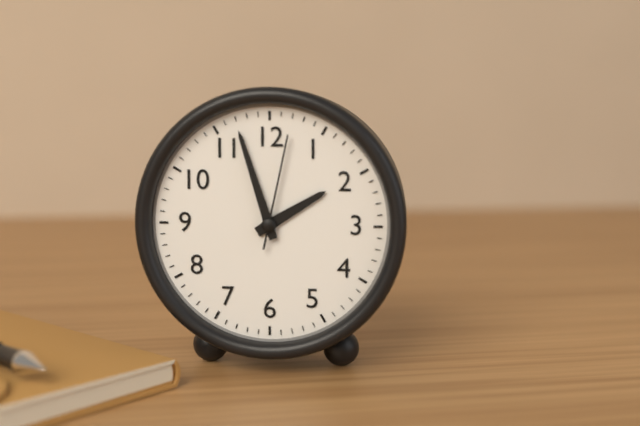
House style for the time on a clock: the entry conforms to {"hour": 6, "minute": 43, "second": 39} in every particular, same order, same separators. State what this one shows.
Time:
{"hour": 1, "minute": 57, "second": 2}
